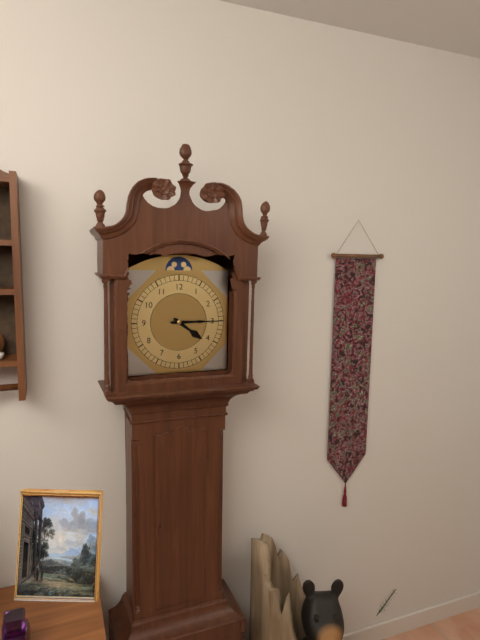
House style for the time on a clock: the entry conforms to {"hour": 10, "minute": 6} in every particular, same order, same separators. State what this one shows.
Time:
{"hour": 4, "minute": 15}
